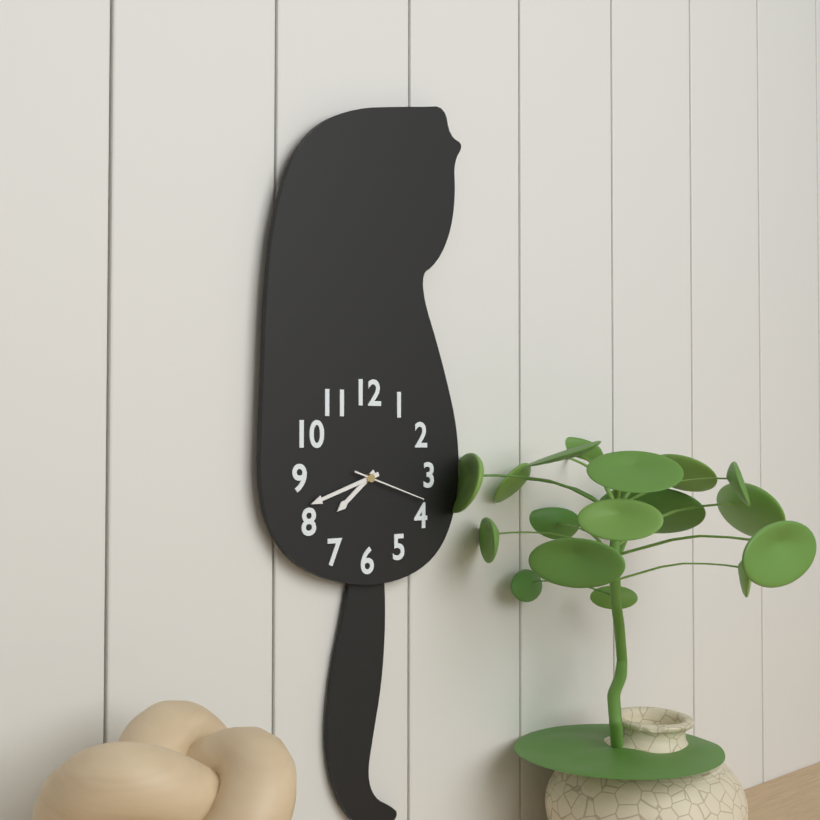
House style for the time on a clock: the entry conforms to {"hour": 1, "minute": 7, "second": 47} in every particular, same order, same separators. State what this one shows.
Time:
{"hour": 7, "minute": 42, "second": 18}
